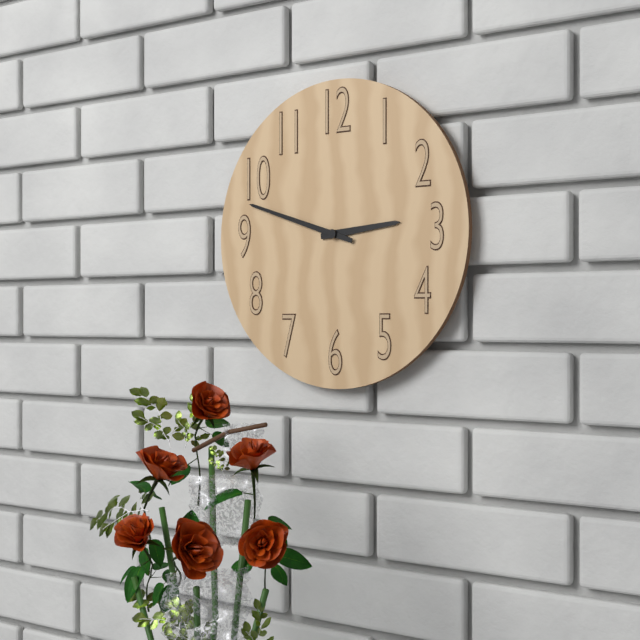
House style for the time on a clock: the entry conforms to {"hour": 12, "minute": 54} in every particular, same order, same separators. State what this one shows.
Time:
{"hour": 2, "minute": 48}
